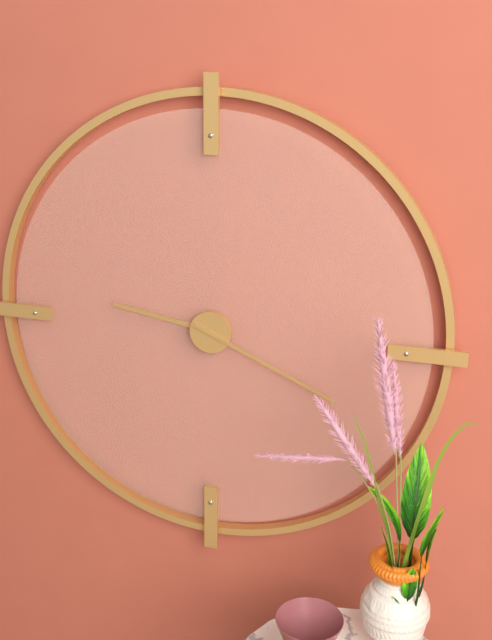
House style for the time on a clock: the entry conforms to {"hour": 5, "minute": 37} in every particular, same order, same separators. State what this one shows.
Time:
{"hour": 9, "minute": 19}
